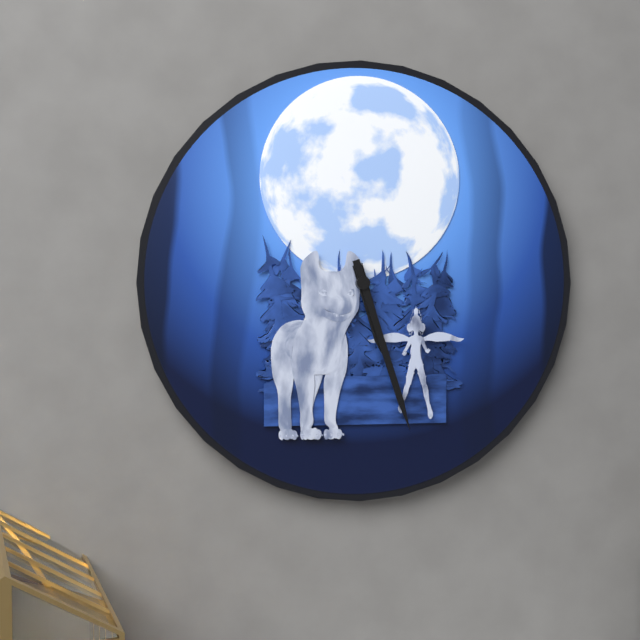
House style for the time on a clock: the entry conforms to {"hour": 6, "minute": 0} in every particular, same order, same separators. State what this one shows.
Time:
{"hour": 5, "minute": 27}
